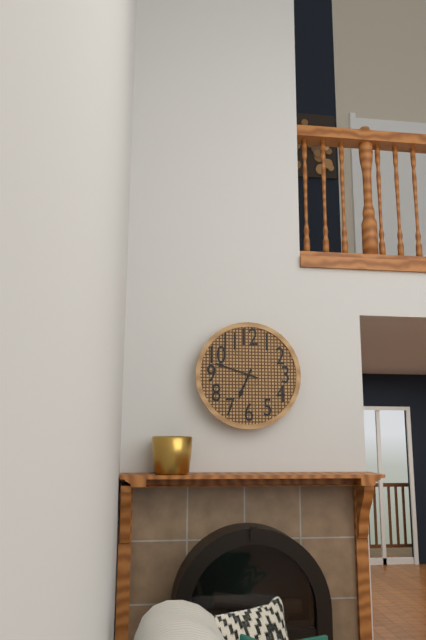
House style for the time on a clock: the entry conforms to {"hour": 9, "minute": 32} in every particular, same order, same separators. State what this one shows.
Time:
{"hour": 6, "minute": 48}
